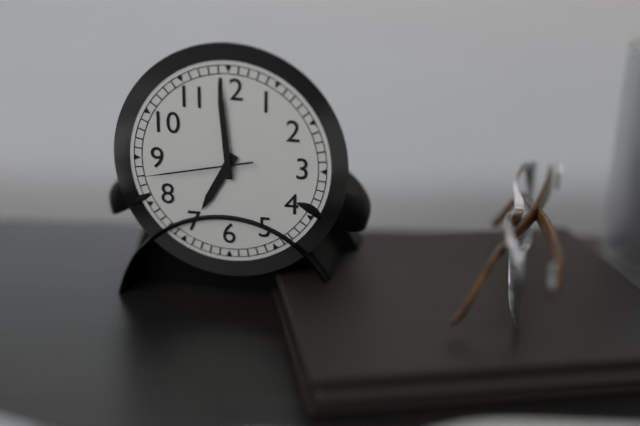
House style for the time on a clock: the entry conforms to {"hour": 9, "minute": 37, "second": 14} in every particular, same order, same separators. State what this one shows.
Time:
{"hour": 6, "minute": 59, "second": 43}
